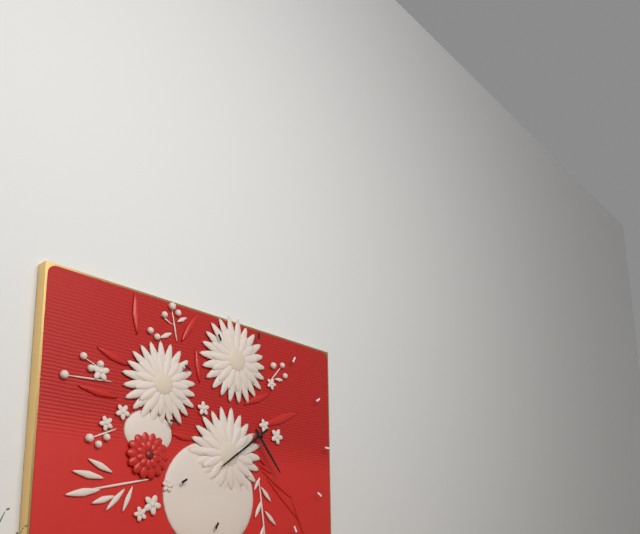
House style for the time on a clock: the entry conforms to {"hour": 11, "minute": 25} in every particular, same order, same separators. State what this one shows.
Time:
{"hour": 4, "minute": 39}
